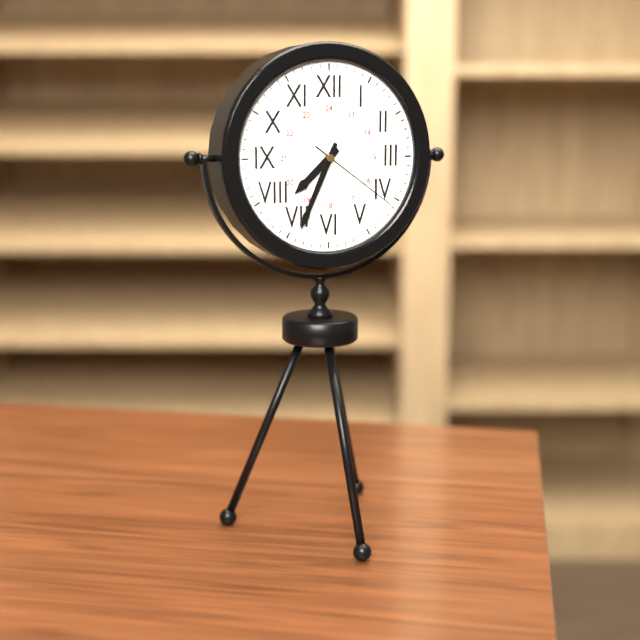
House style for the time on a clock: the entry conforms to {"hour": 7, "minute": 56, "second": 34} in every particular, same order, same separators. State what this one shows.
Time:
{"hour": 7, "minute": 34, "second": 21}
